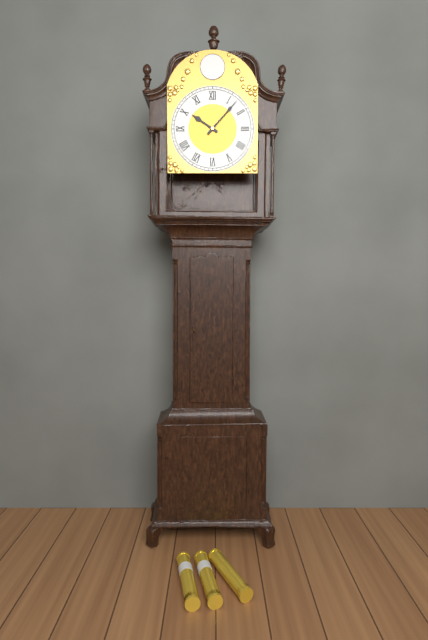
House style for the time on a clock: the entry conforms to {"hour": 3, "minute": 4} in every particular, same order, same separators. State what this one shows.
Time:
{"hour": 10, "minute": 7}
